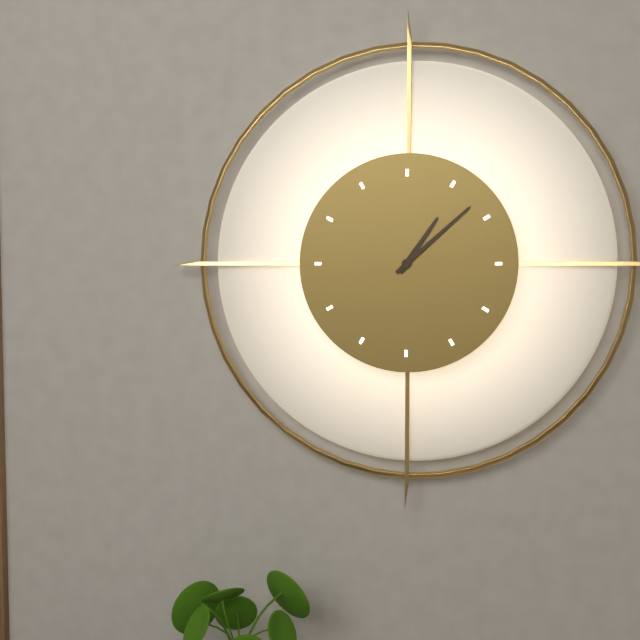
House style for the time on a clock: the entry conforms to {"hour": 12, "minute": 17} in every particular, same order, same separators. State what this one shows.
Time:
{"hour": 1, "minute": 8}
